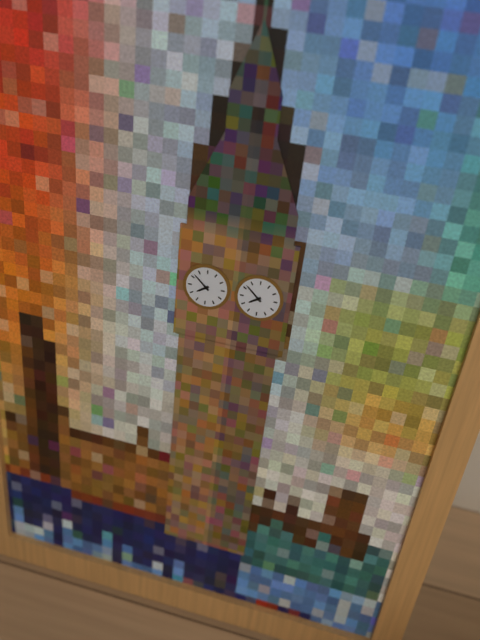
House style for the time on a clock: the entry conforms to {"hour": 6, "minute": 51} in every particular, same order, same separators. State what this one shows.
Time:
{"hour": 7, "minute": 52}
